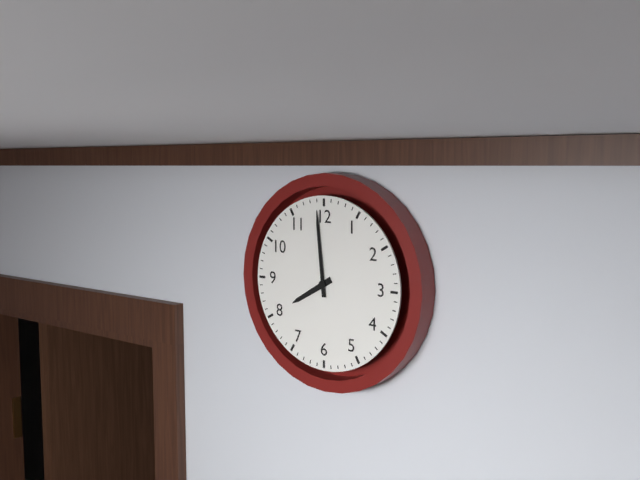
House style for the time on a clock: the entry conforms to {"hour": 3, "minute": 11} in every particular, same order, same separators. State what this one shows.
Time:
{"hour": 7, "minute": 59}
